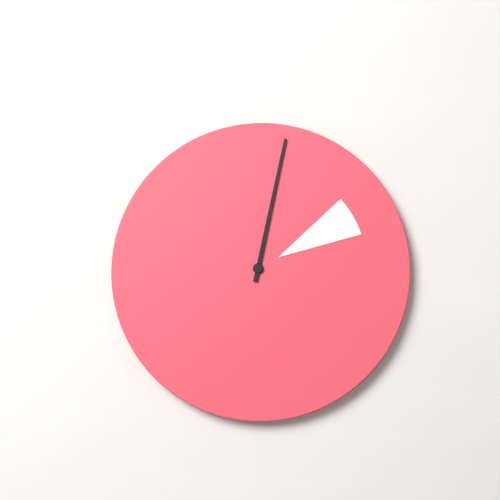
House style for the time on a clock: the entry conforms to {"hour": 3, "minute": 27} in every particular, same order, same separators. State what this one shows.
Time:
{"hour": 2, "minute": 2}
